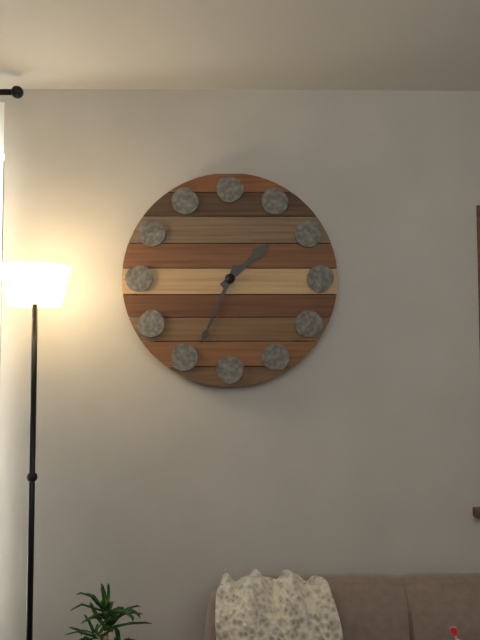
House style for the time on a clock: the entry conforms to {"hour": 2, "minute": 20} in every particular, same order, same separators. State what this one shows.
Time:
{"hour": 1, "minute": 34}
